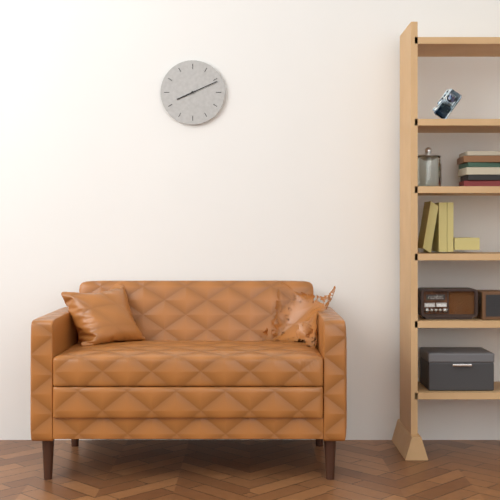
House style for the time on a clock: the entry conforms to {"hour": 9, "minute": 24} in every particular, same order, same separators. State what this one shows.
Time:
{"hour": 8, "minute": 11}
